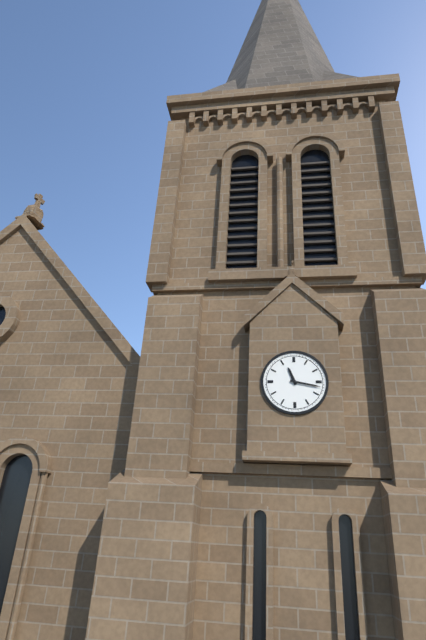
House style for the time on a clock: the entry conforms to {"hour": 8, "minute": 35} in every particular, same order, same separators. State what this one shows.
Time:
{"hour": 11, "minute": 17}
